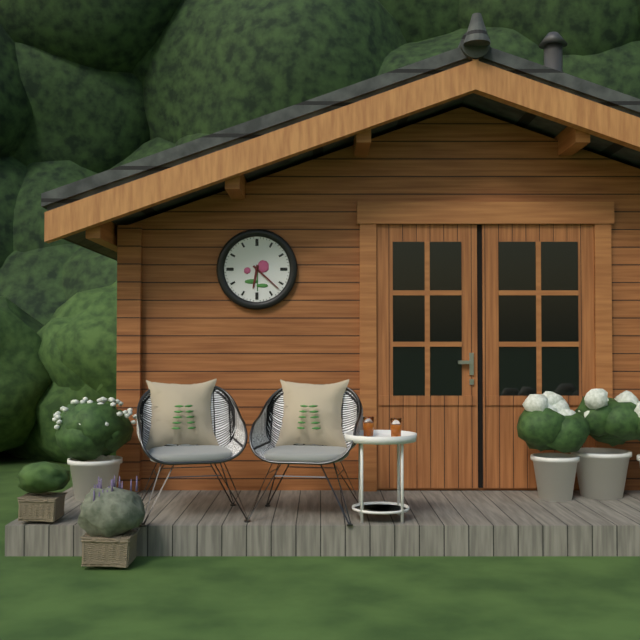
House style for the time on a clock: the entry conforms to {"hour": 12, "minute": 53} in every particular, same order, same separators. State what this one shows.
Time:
{"hour": 6, "minute": 22}
